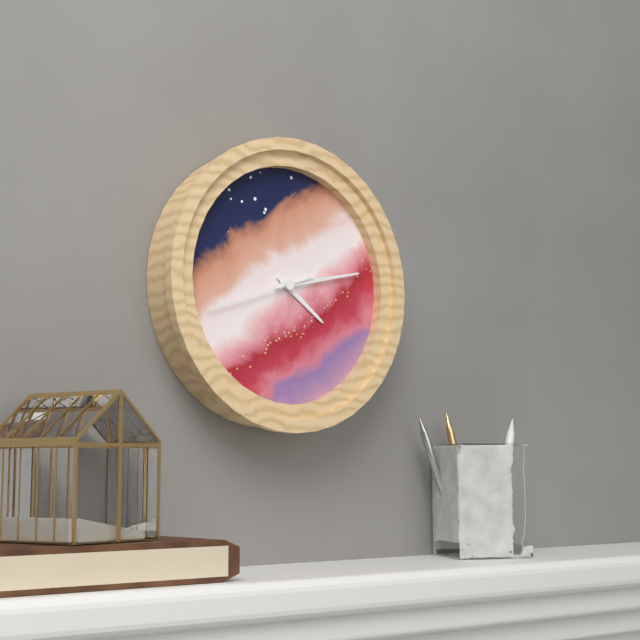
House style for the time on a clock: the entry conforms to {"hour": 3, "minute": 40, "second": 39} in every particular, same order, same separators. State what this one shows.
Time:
{"hour": 4, "minute": 13, "second": 42}
